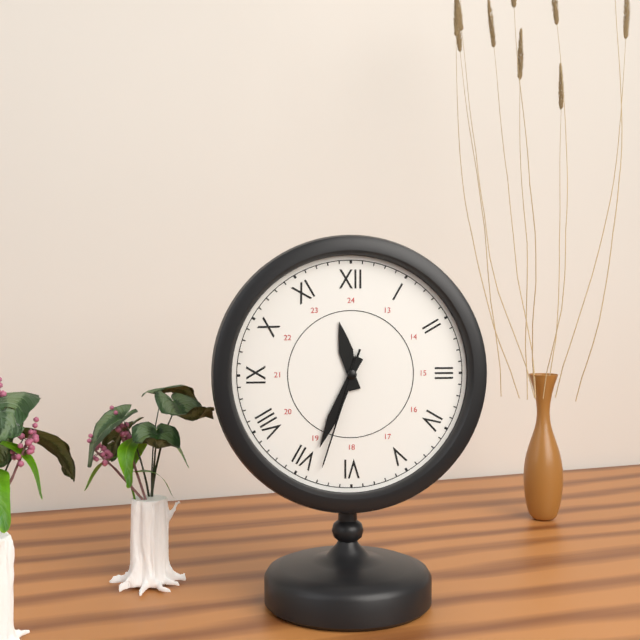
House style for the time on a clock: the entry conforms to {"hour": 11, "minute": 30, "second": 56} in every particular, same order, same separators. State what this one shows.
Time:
{"hour": 11, "minute": 34, "second": 33}
